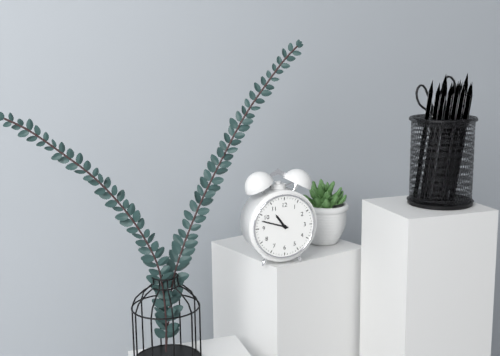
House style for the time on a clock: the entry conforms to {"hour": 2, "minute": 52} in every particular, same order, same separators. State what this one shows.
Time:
{"hour": 10, "minute": 48}
